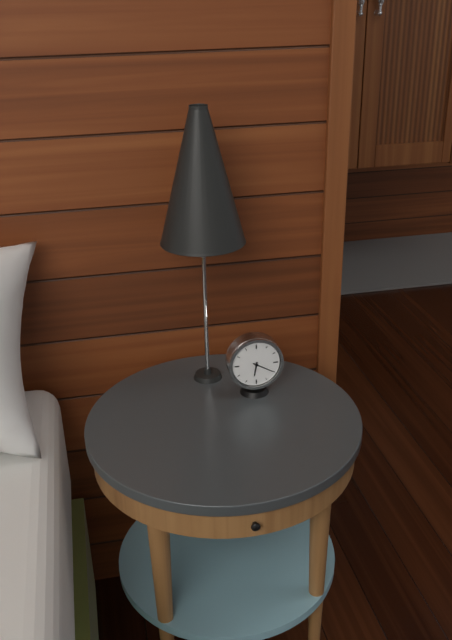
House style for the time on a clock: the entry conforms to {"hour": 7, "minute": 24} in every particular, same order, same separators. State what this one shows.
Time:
{"hour": 6, "minute": 20}
